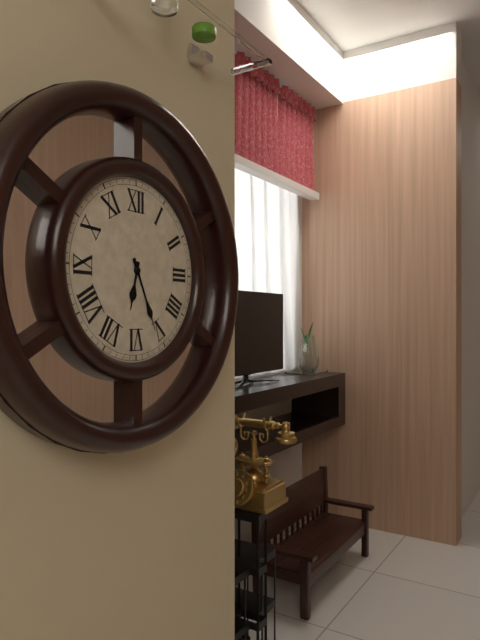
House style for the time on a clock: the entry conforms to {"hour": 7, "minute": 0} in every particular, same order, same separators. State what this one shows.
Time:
{"hour": 6, "minute": 26}
